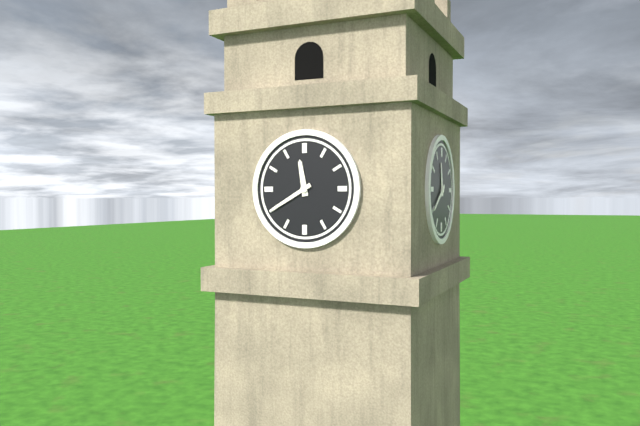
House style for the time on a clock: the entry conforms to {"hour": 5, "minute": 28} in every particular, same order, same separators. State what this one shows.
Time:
{"hour": 11, "minute": 40}
